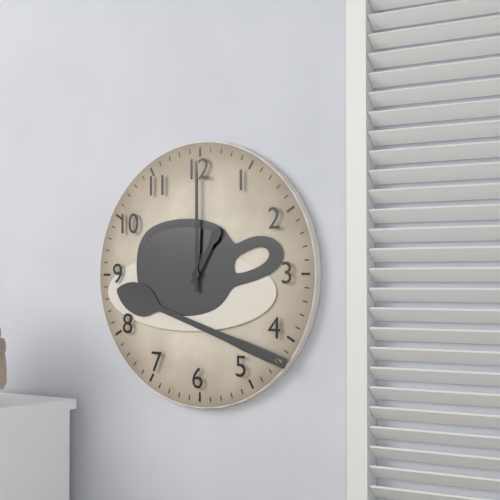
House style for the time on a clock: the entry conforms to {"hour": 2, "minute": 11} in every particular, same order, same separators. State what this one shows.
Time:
{"hour": 1, "minute": 0}
